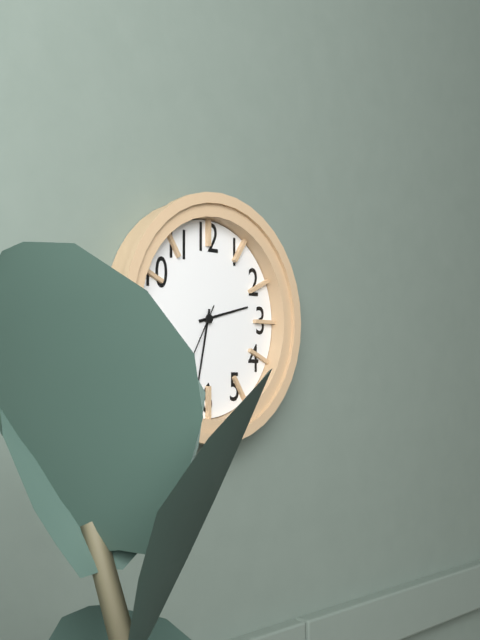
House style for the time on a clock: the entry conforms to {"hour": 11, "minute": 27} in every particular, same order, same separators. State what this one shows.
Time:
{"hour": 2, "minute": 32}
